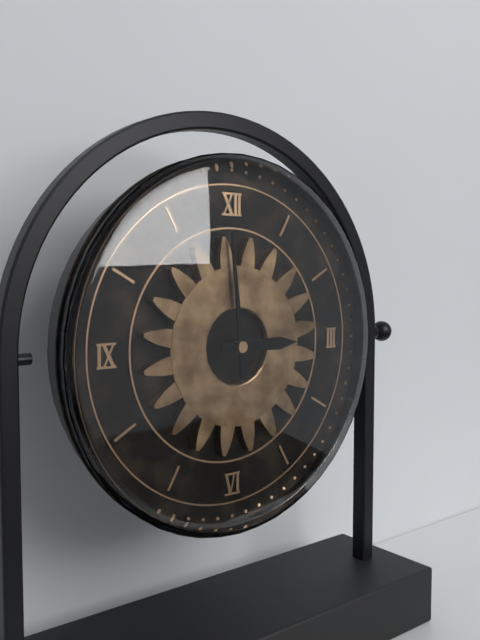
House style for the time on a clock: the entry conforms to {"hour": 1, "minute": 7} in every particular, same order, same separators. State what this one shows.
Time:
{"hour": 2, "minute": 59}
